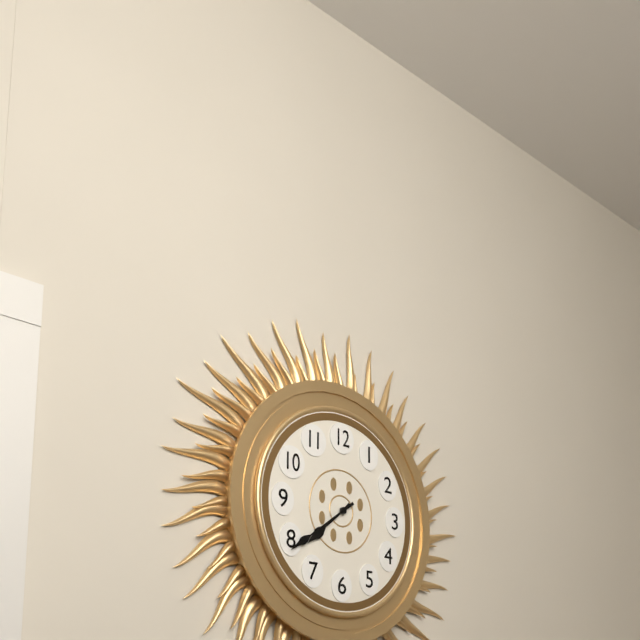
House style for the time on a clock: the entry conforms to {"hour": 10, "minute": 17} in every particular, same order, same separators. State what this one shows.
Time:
{"hour": 7, "minute": 39}
